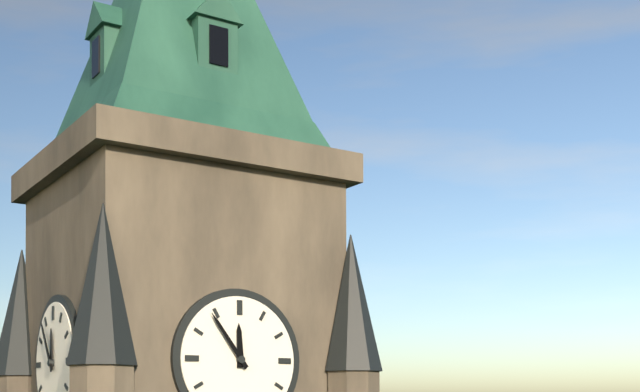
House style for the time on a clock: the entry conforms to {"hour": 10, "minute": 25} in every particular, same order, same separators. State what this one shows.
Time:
{"hour": 11, "minute": 54}
